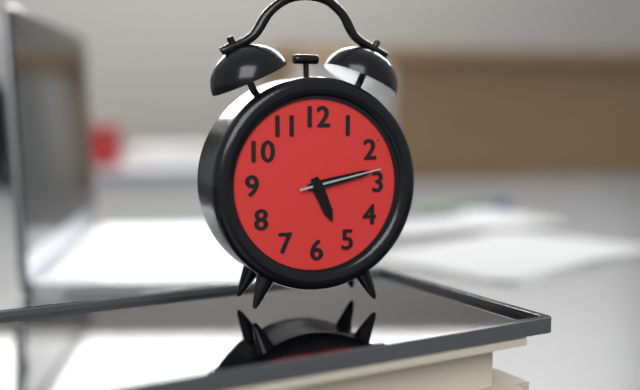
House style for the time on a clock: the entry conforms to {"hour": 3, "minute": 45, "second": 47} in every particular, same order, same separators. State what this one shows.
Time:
{"hour": 5, "minute": 13, "second": 13}
